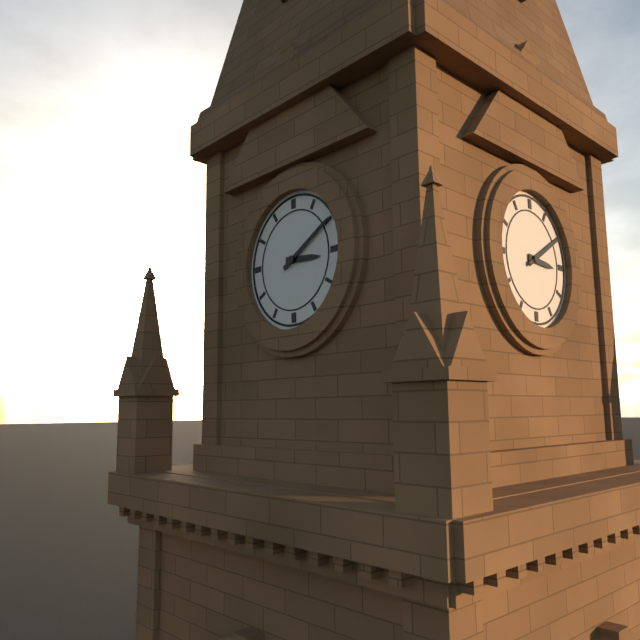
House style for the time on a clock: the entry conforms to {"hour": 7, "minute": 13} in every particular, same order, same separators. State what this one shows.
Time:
{"hour": 3, "minute": 10}
